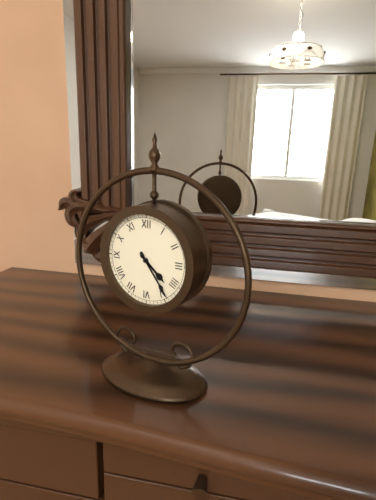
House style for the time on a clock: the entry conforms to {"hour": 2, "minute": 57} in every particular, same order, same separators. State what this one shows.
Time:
{"hour": 4, "minute": 24}
